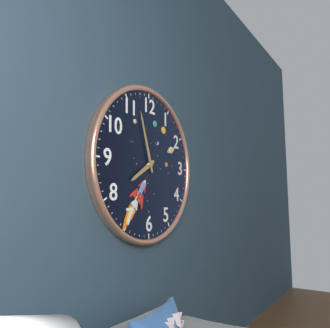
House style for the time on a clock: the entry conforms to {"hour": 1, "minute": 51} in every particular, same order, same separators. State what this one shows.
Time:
{"hour": 7, "minute": 57}
